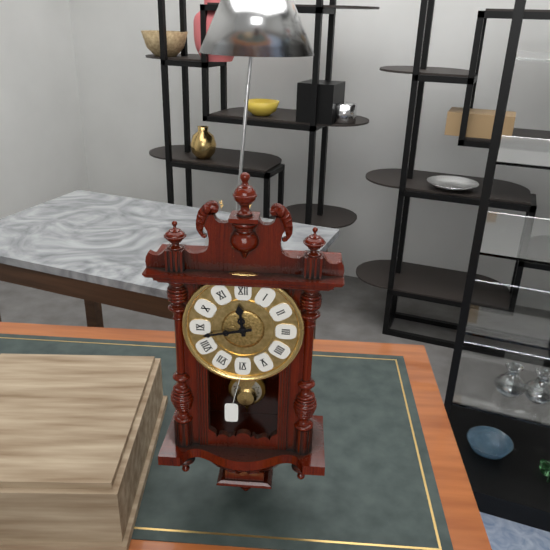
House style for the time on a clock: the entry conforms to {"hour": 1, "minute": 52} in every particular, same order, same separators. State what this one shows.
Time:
{"hour": 11, "minute": 43}
